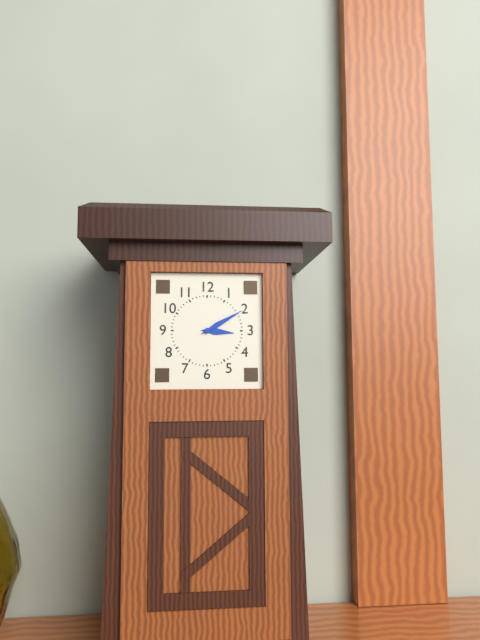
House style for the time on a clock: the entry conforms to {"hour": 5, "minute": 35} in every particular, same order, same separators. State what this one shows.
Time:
{"hour": 3, "minute": 10}
